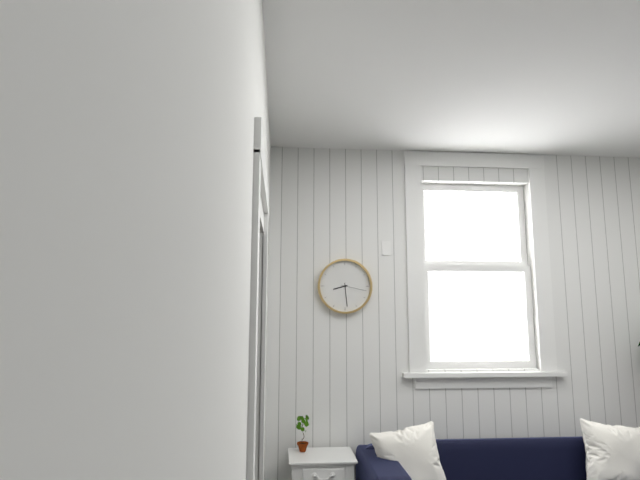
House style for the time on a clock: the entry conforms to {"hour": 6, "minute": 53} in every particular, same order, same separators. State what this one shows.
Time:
{"hour": 8, "minute": 29}
